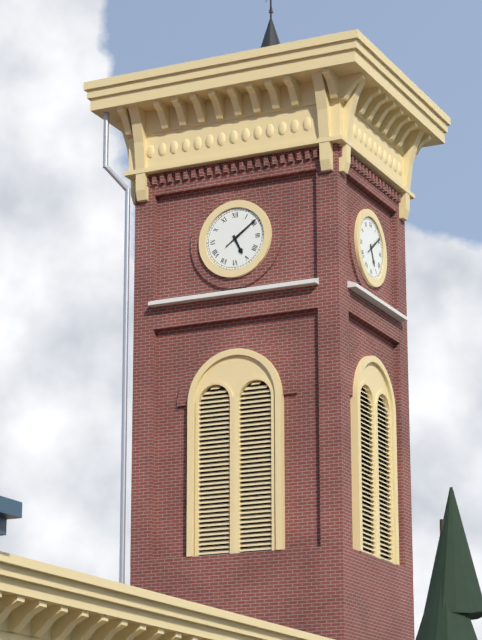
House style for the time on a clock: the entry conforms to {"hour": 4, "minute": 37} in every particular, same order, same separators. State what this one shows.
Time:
{"hour": 5, "minute": 9}
